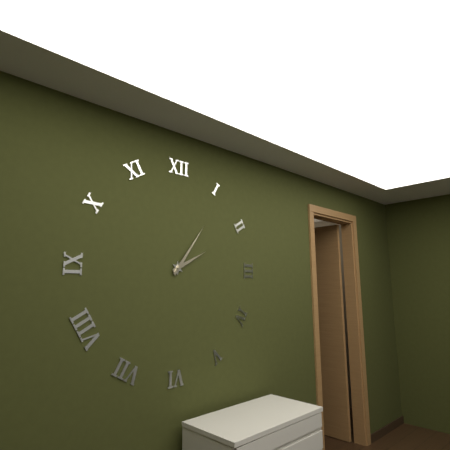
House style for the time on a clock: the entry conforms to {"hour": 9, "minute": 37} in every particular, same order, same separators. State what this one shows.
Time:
{"hour": 2, "minute": 6}
